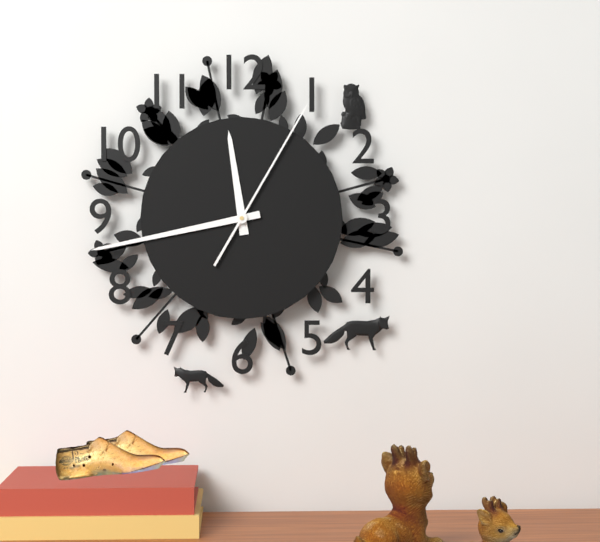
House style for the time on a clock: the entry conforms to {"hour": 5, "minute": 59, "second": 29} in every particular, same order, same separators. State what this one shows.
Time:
{"hour": 11, "minute": 43, "second": 5}
